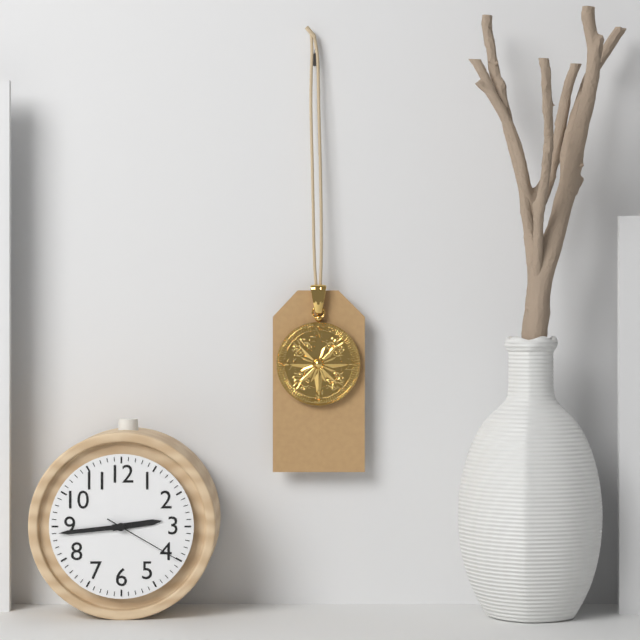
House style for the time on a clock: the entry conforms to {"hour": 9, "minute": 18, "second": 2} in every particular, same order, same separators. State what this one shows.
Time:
{"hour": 2, "minute": 44, "second": 20}
